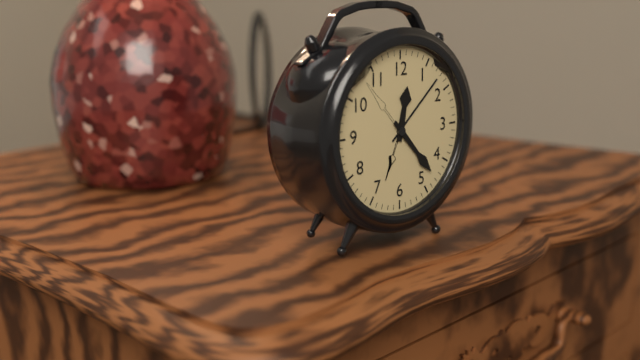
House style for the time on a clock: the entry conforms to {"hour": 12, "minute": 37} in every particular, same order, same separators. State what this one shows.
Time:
{"hour": 12, "minute": 23}
